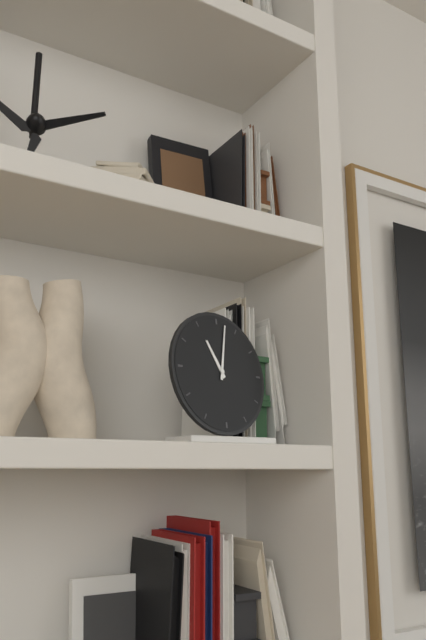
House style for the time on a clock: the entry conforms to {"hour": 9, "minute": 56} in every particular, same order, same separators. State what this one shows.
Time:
{"hour": 11, "minute": 2}
